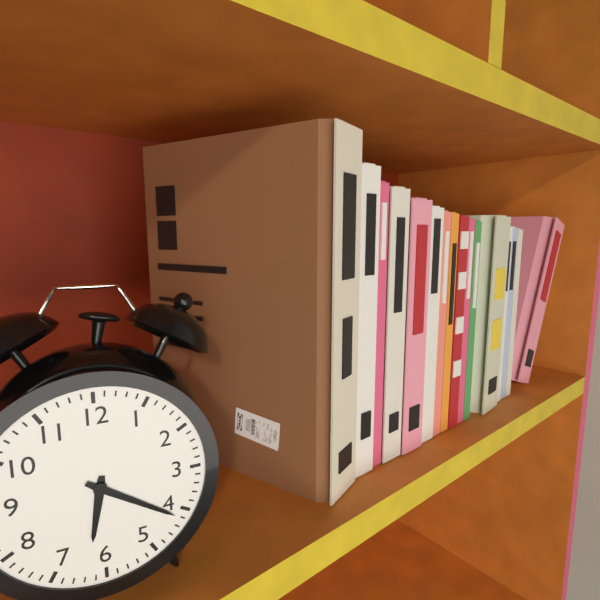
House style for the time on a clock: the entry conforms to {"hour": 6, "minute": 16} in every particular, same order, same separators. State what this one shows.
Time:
{"hour": 6, "minute": 21}
